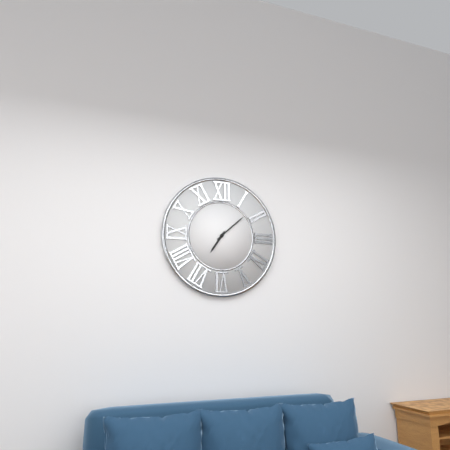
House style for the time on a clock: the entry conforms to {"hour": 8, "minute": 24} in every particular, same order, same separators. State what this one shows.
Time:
{"hour": 7, "minute": 8}
